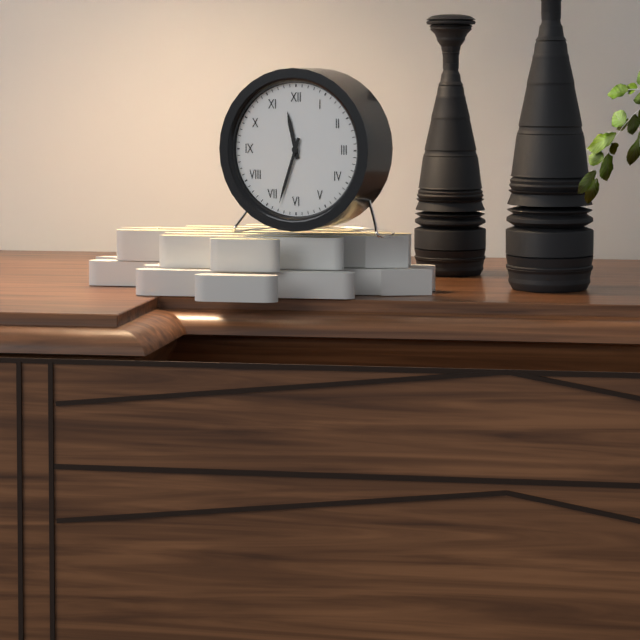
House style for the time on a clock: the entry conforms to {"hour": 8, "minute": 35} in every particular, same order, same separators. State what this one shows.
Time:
{"hour": 11, "minute": 33}
